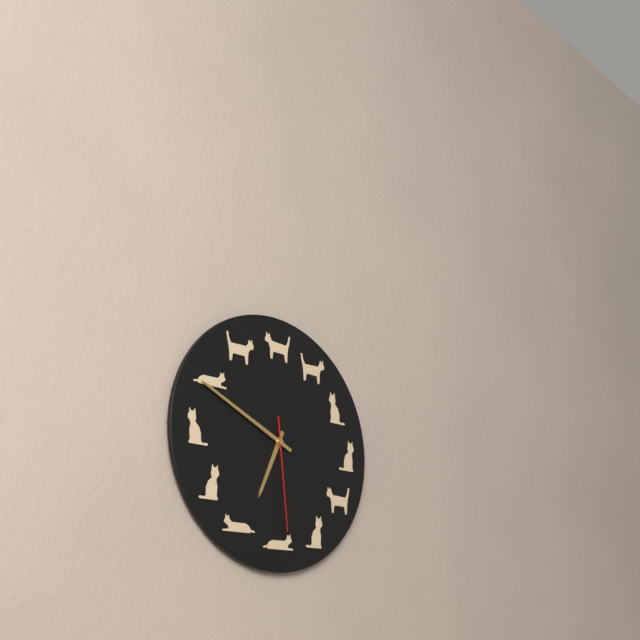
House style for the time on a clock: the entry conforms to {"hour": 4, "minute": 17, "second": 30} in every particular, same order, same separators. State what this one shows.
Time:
{"hour": 6, "minute": 49, "second": 29}
